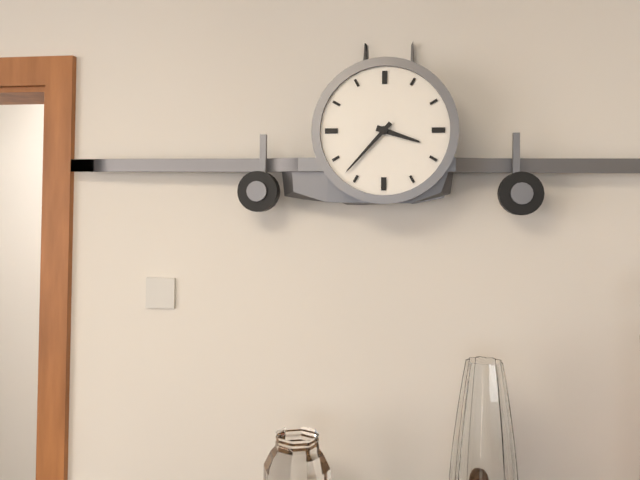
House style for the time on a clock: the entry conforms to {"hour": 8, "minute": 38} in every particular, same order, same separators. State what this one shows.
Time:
{"hour": 3, "minute": 37}
